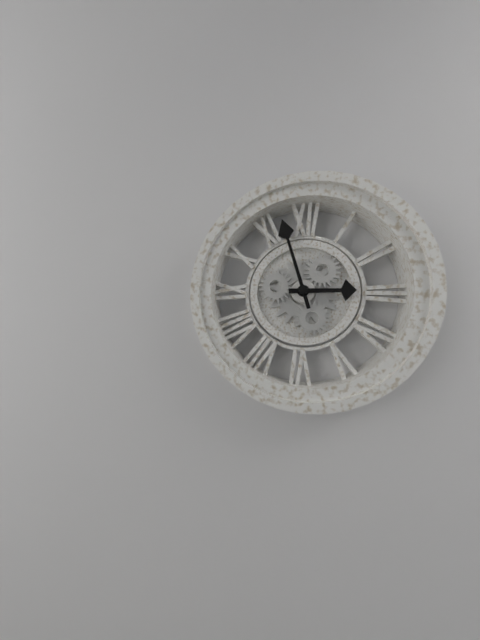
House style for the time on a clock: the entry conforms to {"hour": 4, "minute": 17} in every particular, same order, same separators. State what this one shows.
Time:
{"hour": 2, "minute": 57}
